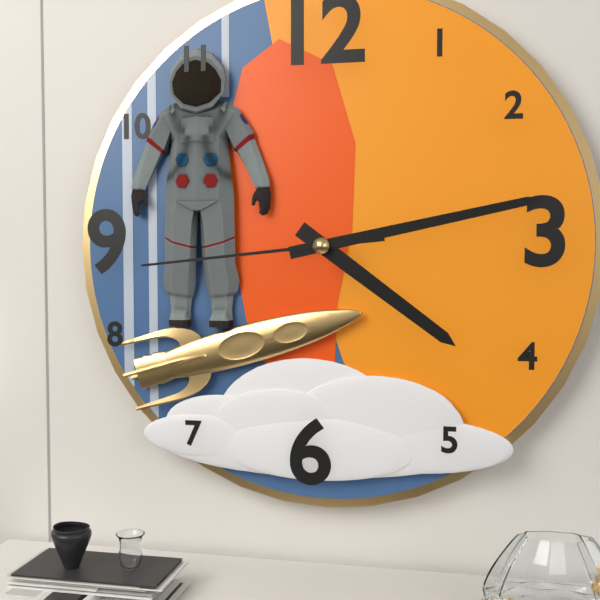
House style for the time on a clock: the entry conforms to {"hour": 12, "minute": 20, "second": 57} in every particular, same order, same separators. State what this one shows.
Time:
{"hour": 4, "minute": 13, "second": 44}
